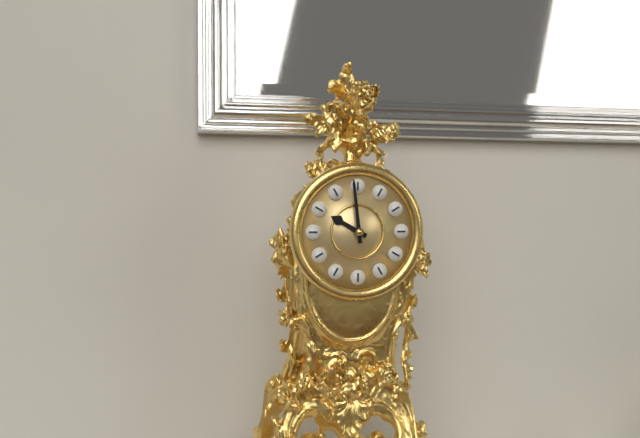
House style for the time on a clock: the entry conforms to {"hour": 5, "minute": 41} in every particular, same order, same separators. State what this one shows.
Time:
{"hour": 9, "minute": 59}
